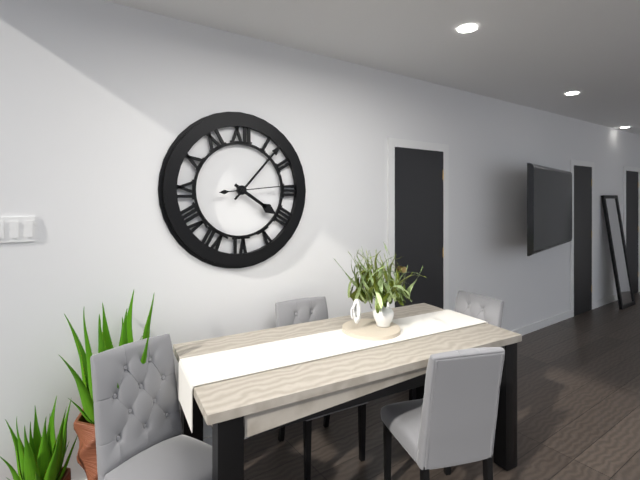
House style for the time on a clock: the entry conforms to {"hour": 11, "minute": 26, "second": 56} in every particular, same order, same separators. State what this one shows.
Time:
{"hour": 4, "minute": 7, "second": 14}
